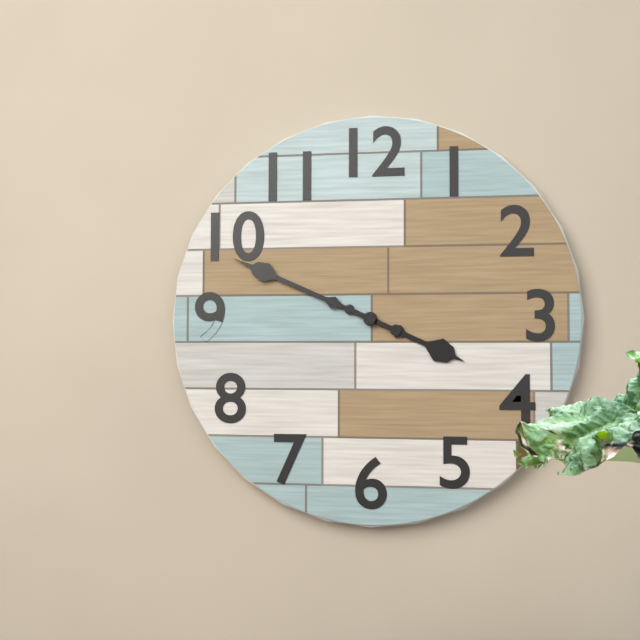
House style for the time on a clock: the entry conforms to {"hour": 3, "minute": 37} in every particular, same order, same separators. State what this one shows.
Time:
{"hour": 3, "minute": 49}
